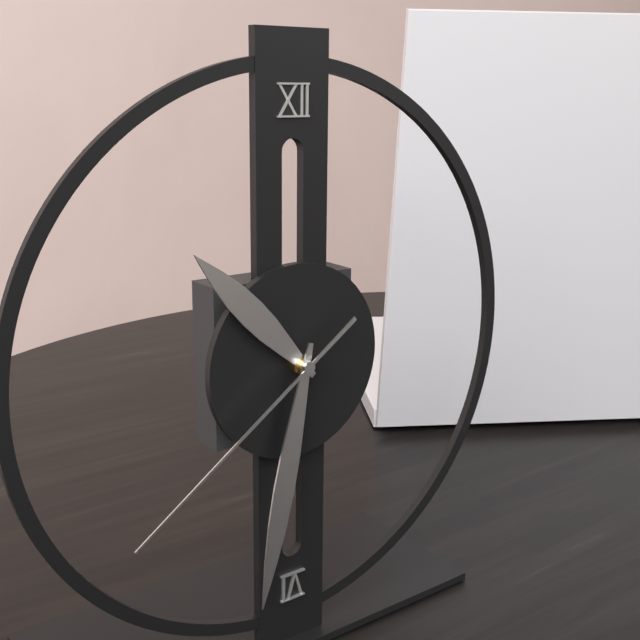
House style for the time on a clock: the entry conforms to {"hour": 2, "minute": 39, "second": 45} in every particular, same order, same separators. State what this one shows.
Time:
{"hour": 10, "minute": 32, "second": 39}
